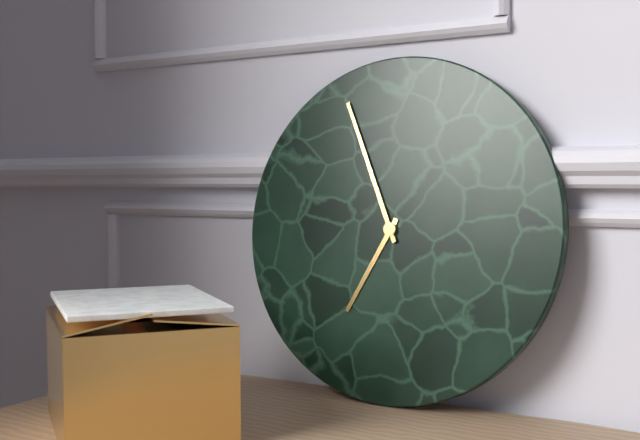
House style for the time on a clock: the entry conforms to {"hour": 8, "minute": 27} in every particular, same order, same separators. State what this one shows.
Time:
{"hour": 6, "minute": 56}
